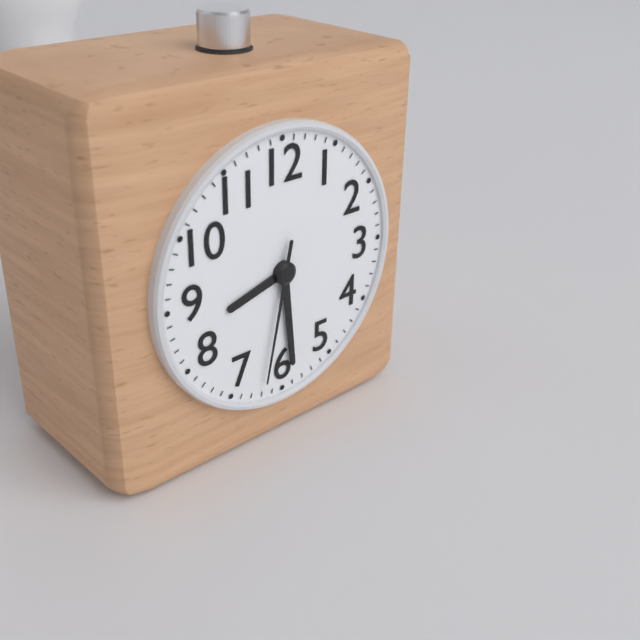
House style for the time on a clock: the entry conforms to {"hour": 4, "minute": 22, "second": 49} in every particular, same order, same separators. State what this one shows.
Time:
{"hour": 8, "minute": 29, "second": 32}
